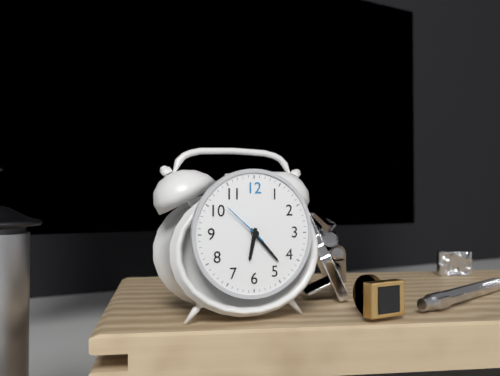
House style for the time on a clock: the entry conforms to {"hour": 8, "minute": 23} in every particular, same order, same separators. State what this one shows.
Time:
{"hour": 6, "minute": 23}
